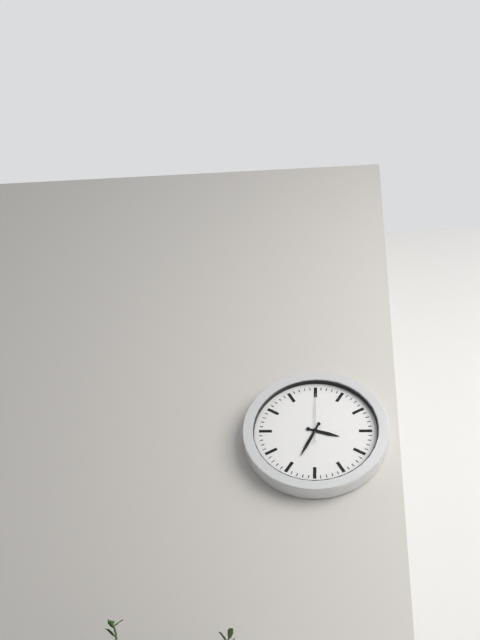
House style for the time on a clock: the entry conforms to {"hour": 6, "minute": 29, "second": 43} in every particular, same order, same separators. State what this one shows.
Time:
{"hour": 3, "minute": 34, "second": 0}
